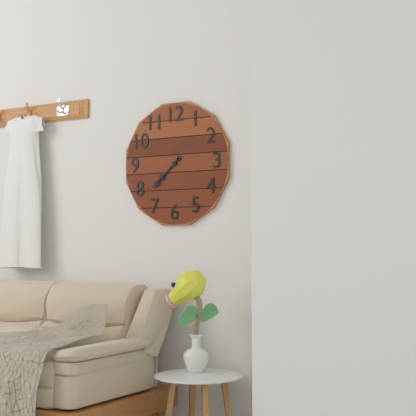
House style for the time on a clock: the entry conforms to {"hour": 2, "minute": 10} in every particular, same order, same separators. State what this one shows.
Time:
{"hour": 7, "minute": 38}
